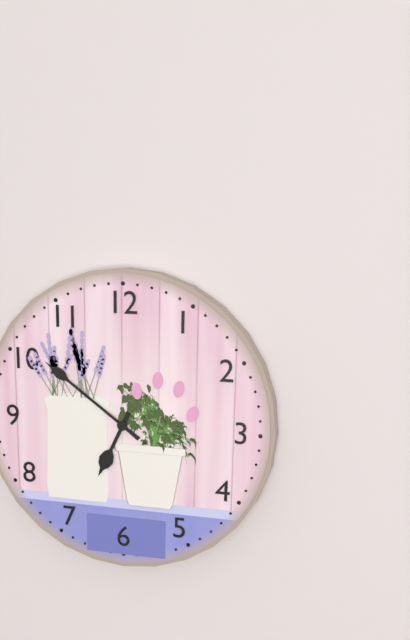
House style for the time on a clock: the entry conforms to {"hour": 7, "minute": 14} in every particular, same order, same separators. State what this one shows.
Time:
{"hour": 6, "minute": 51}
